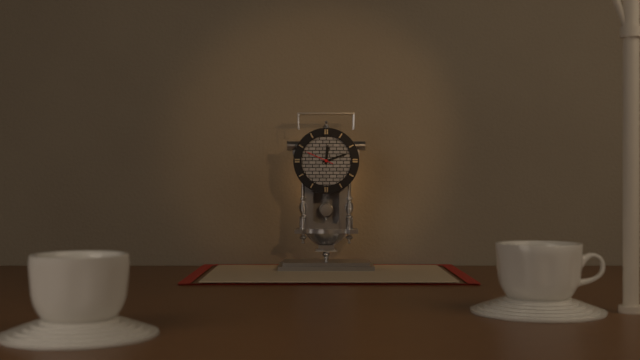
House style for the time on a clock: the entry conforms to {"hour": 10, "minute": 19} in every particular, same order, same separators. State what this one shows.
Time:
{"hour": 12, "minute": 12}
